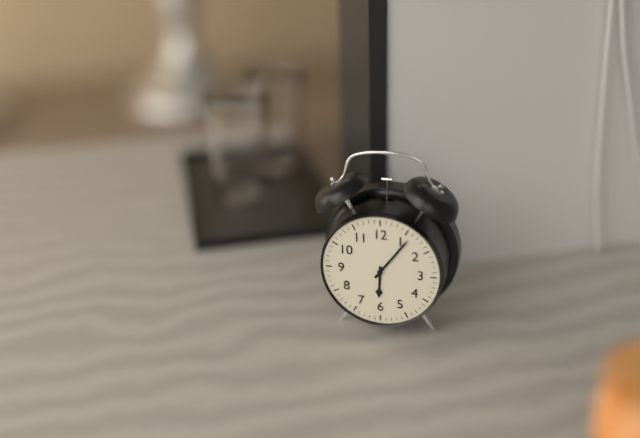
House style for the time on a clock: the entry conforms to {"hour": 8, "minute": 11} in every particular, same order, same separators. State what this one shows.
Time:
{"hour": 6, "minute": 6}
